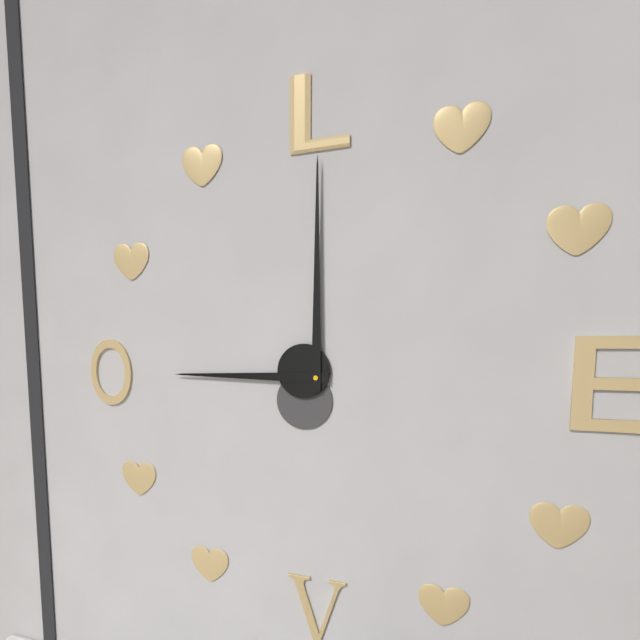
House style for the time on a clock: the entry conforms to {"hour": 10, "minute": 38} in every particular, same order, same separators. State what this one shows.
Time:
{"hour": 9, "minute": 0}
